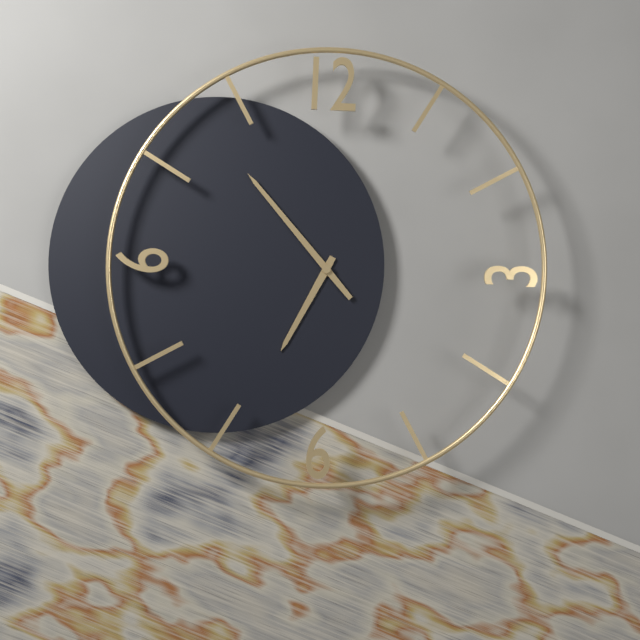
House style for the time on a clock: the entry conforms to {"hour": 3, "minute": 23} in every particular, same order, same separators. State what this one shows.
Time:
{"hour": 6, "minute": 53}
